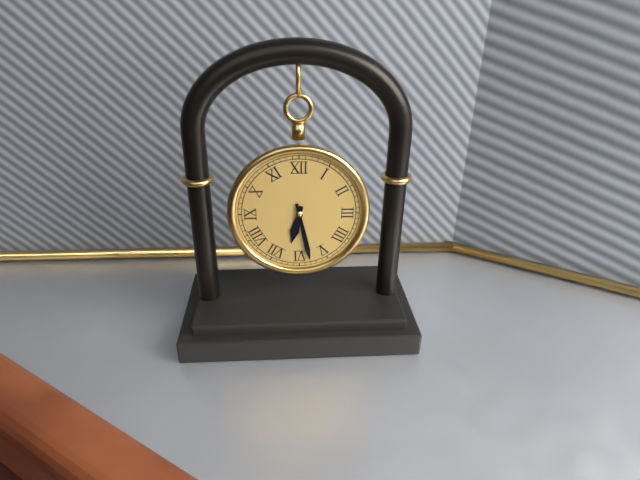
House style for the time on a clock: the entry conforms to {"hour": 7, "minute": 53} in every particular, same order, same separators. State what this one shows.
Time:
{"hour": 6, "minute": 28}
